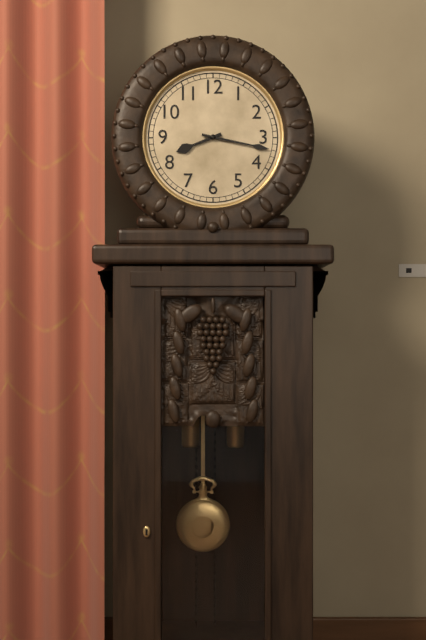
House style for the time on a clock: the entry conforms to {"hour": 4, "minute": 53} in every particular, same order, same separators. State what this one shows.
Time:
{"hour": 8, "minute": 17}
